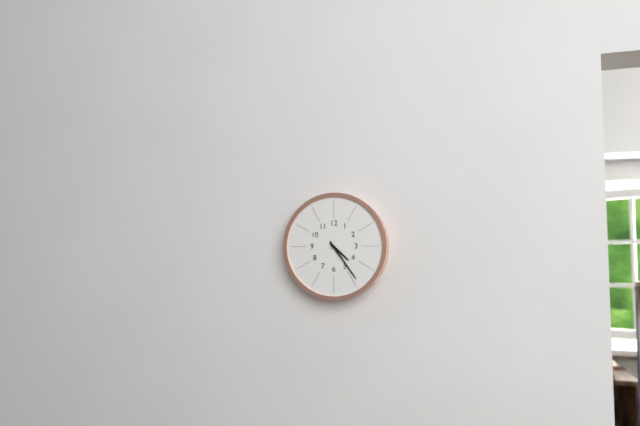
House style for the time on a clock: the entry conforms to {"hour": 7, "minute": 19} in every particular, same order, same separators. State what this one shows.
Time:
{"hour": 4, "minute": 24}
